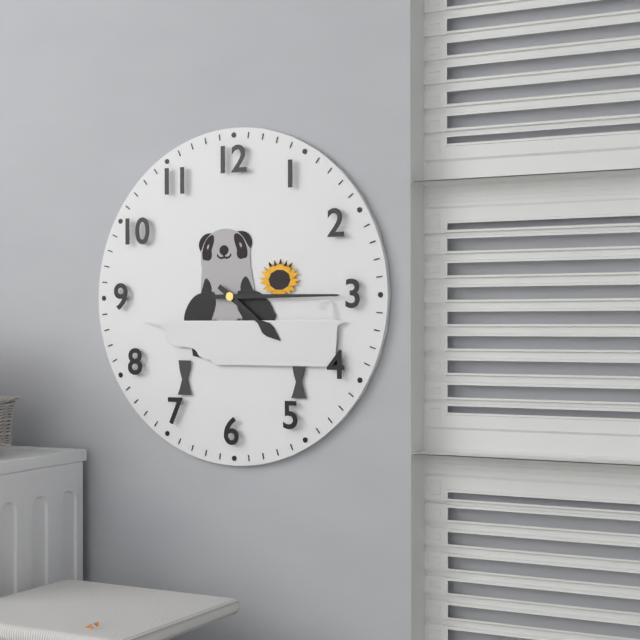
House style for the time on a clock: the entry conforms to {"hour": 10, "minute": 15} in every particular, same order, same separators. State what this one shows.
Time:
{"hour": 4, "minute": 15}
